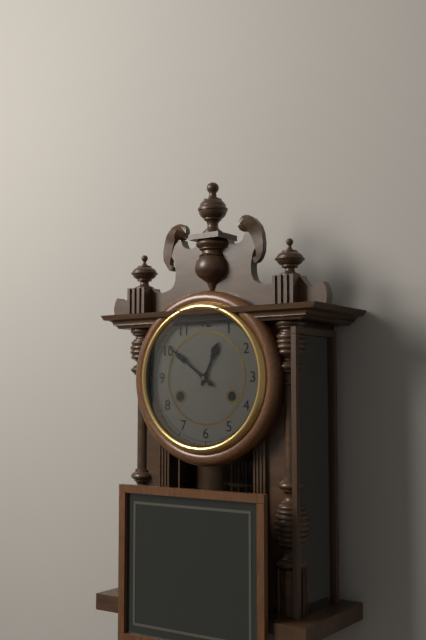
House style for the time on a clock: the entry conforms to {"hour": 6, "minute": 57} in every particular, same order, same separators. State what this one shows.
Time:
{"hour": 12, "minute": 51}
